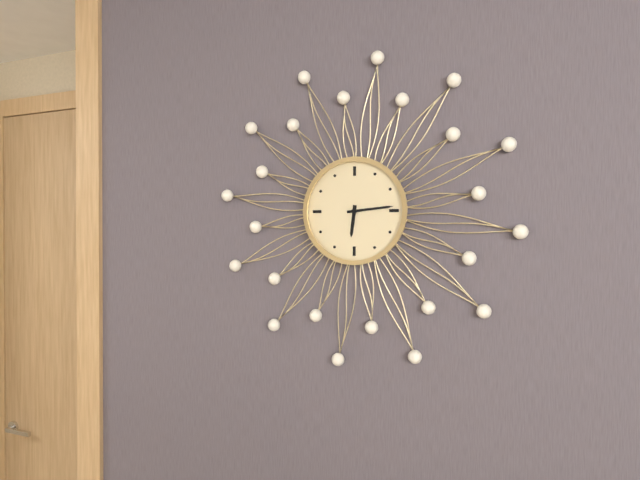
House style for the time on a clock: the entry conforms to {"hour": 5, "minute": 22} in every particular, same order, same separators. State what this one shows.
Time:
{"hour": 6, "minute": 14}
